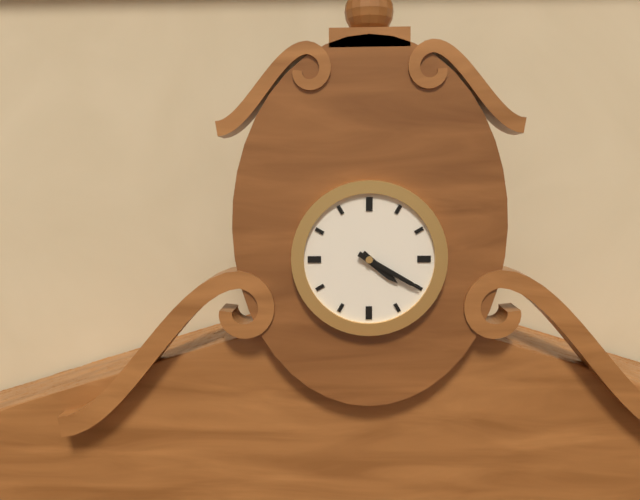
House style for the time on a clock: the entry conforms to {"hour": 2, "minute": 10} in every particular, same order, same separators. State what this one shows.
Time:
{"hour": 4, "minute": 20}
